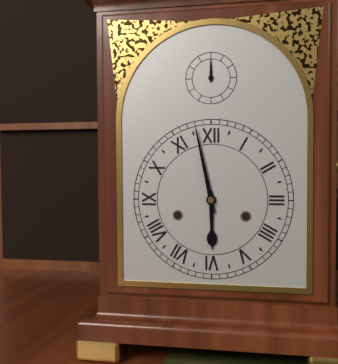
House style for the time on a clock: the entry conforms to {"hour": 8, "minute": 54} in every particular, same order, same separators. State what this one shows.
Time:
{"hour": 5, "minute": 58}
